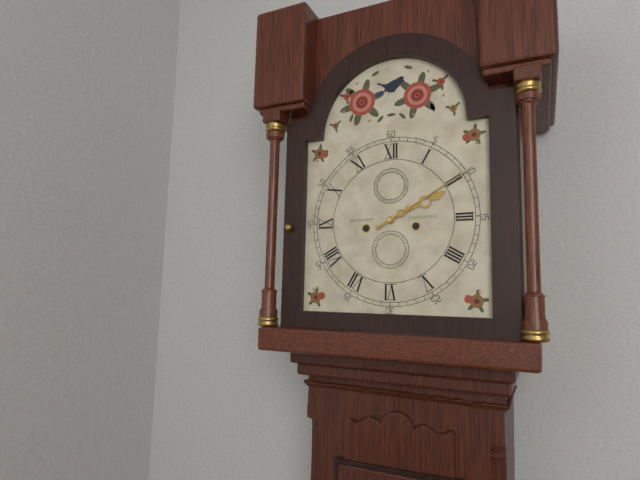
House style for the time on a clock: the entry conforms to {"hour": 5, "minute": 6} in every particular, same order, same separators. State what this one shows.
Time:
{"hour": 2, "minute": 10}
